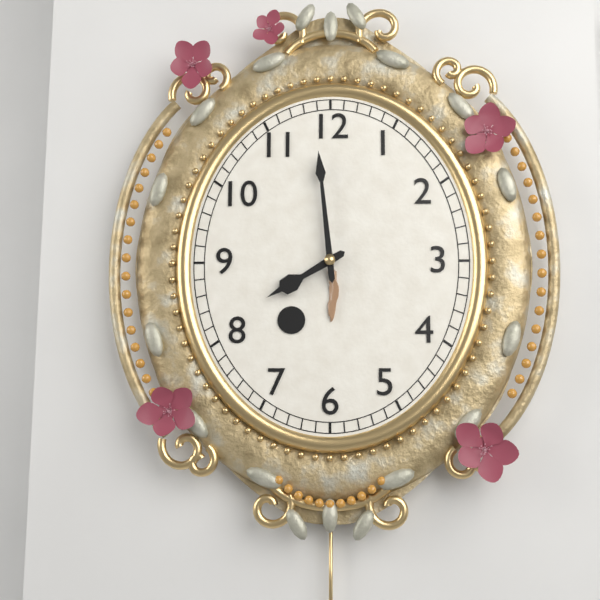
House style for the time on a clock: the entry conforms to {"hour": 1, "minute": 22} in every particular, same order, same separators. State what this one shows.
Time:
{"hour": 7, "minute": 59}
